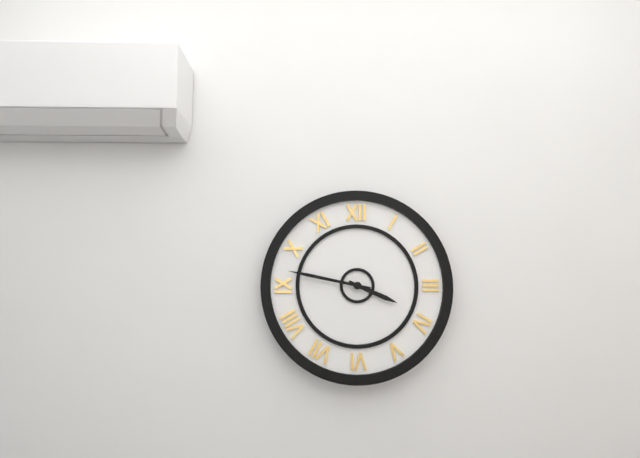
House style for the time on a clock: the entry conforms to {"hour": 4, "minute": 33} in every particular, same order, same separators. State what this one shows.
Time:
{"hour": 3, "minute": 47}
